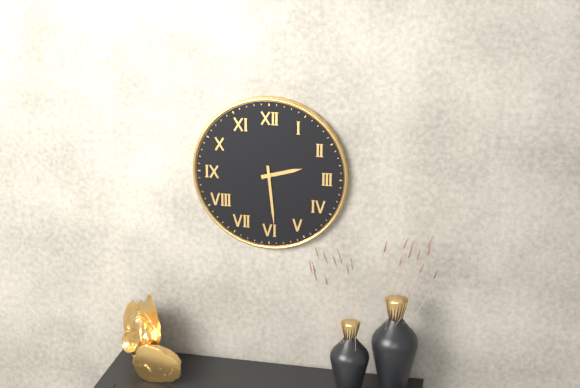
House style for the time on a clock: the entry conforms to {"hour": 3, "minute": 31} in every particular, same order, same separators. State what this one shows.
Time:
{"hour": 2, "minute": 29}
